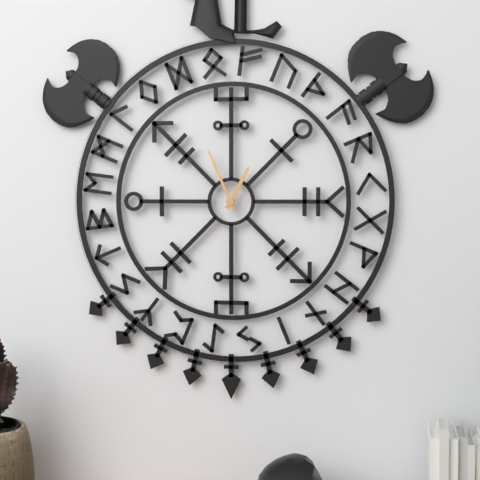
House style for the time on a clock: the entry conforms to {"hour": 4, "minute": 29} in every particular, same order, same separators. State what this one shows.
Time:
{"hour": 12, "minute": 56}
